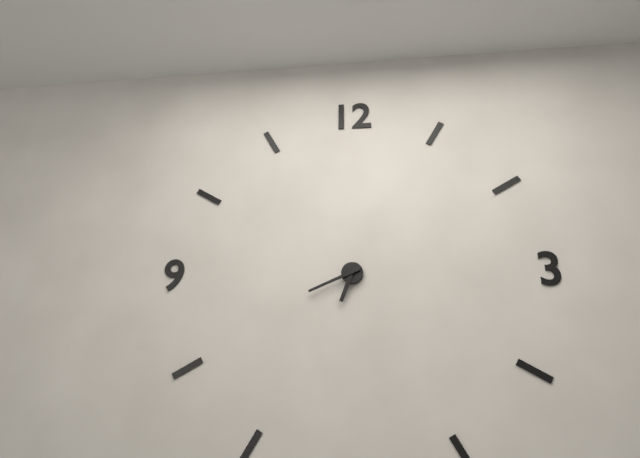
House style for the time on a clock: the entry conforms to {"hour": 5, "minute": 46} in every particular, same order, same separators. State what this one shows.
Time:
{"hour": 6, "minute": 41}
